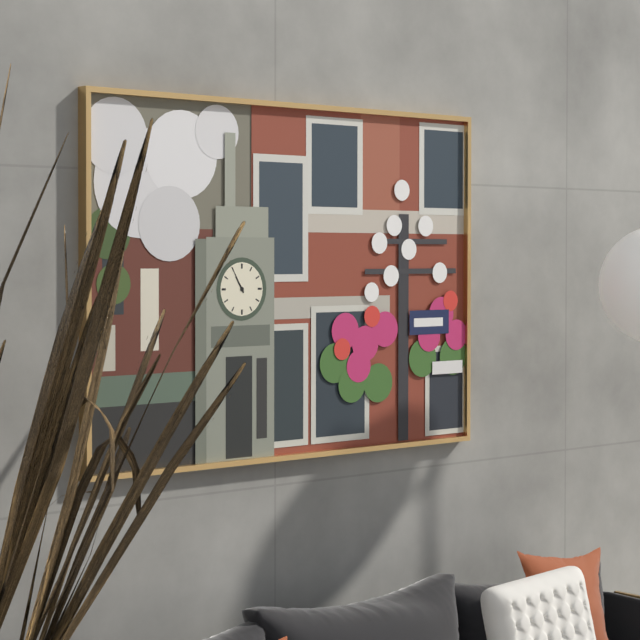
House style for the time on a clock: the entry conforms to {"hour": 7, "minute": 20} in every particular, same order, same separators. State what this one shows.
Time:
{"hour": 10, "minute": 55}
